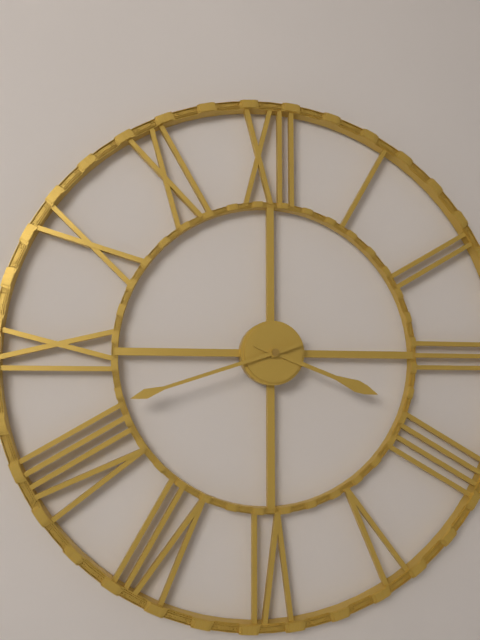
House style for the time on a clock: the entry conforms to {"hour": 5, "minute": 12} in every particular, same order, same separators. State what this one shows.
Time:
{"hour": 3, "minute": 42}
